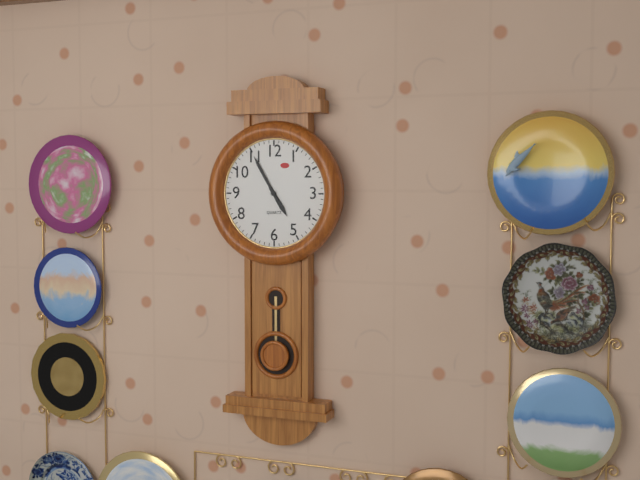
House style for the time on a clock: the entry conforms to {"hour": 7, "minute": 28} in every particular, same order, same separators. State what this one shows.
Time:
{"hour": 4, "minute": 55}
